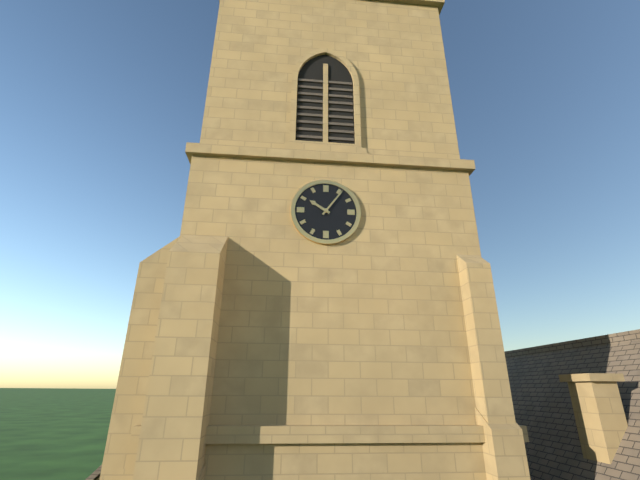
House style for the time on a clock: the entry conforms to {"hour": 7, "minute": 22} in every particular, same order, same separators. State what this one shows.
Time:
{"hour": 10, "minute": 6}
